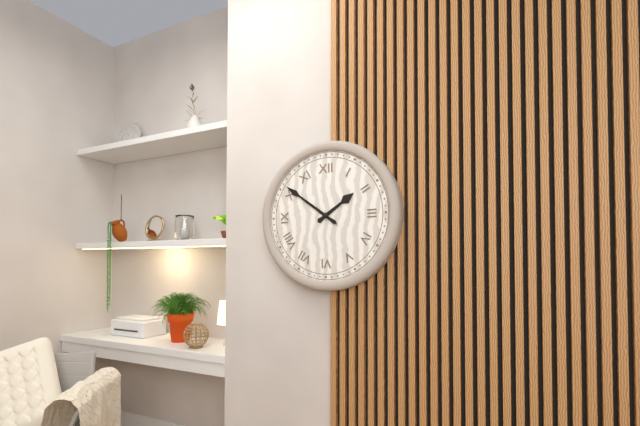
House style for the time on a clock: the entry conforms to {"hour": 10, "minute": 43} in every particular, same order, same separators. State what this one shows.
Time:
{"hour": 1, "minute": 51}
